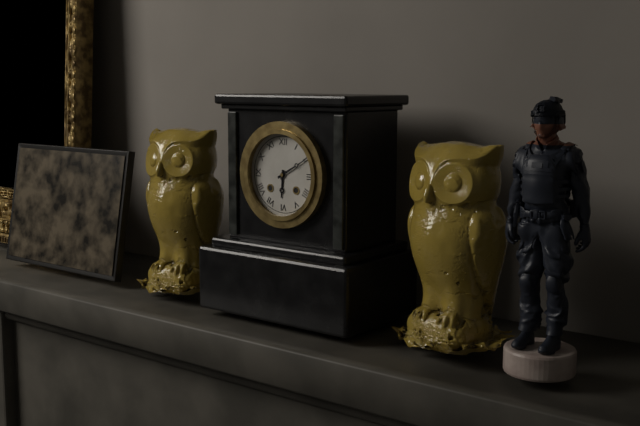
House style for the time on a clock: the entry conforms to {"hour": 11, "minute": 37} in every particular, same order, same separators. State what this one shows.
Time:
{"hour": 6, "minute": 10}
